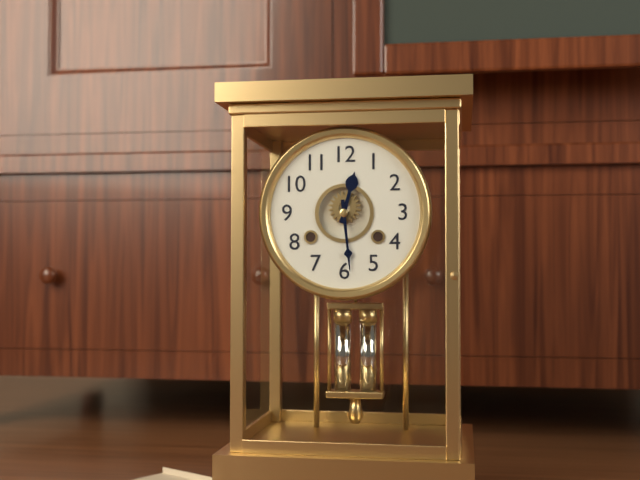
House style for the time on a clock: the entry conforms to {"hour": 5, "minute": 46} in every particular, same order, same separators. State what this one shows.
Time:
{"hour": 12, "minute": 29}
